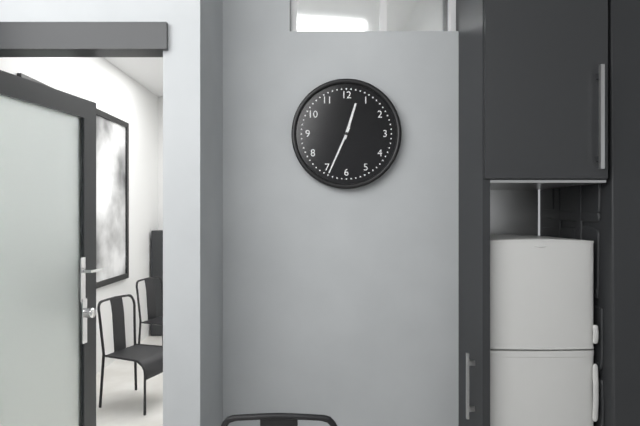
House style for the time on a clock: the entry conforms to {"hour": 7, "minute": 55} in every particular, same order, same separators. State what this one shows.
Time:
{"hour": 12, "minute": 34}
